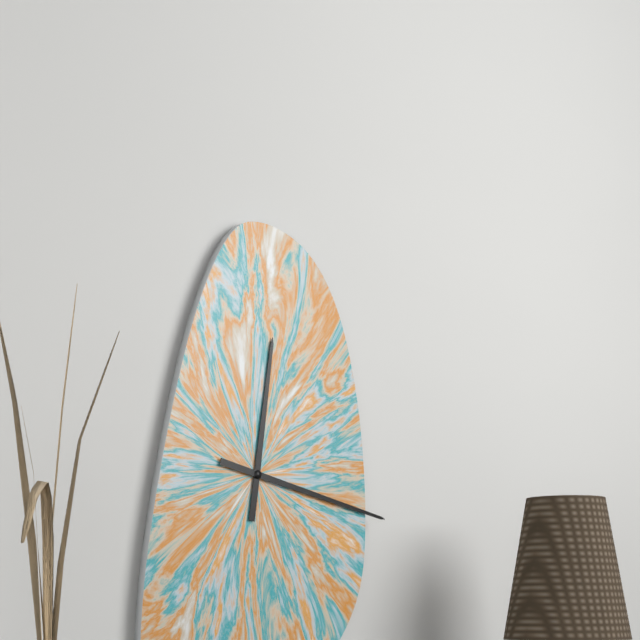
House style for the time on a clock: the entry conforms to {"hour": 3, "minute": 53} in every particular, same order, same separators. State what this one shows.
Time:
{"hour": 12, "minute": 17}
